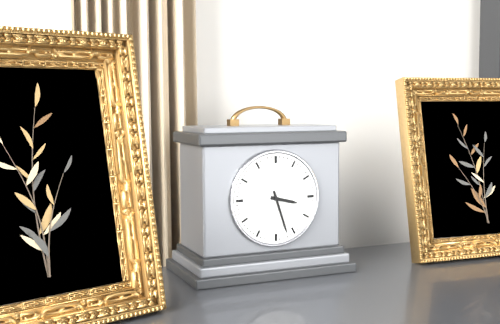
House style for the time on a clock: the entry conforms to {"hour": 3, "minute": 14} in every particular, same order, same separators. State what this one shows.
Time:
{"hour": 3, "minute": 27}
